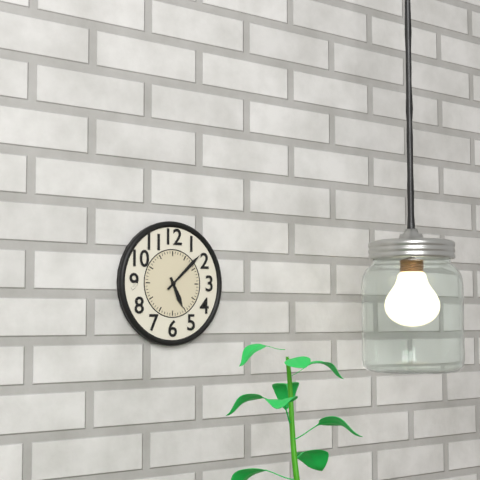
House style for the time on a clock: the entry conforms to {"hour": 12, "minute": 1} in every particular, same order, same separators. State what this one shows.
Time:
{"hour": 5, "minute": 8}
